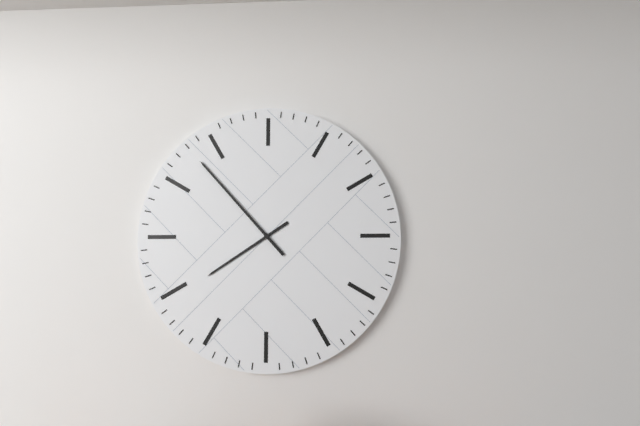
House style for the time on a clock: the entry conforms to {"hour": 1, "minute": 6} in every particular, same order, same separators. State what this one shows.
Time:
{"hour": 7, "minute": 53}
